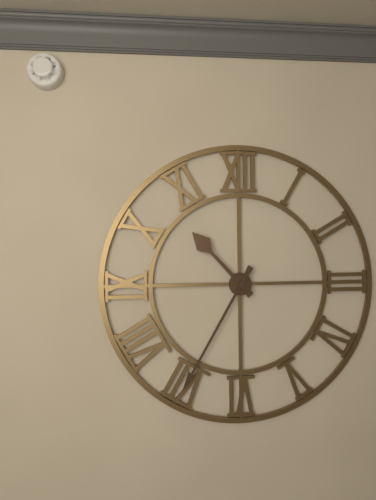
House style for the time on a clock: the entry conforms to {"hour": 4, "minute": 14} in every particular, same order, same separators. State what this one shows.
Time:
{"hour": 10, "minute": 35}
